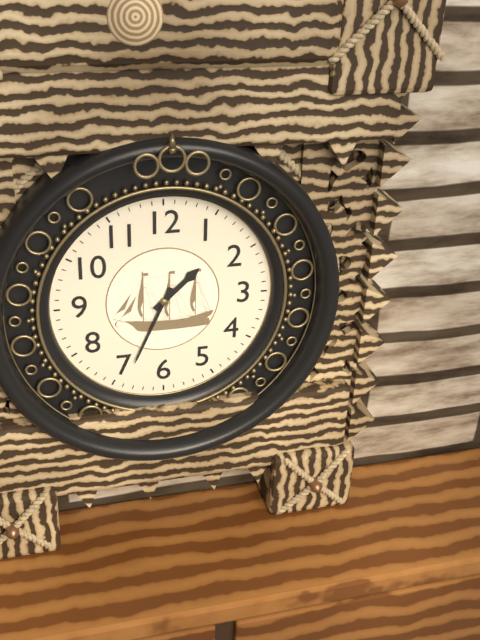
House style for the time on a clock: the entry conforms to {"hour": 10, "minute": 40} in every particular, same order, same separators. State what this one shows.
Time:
{"hour": 1, "minute": 34}
